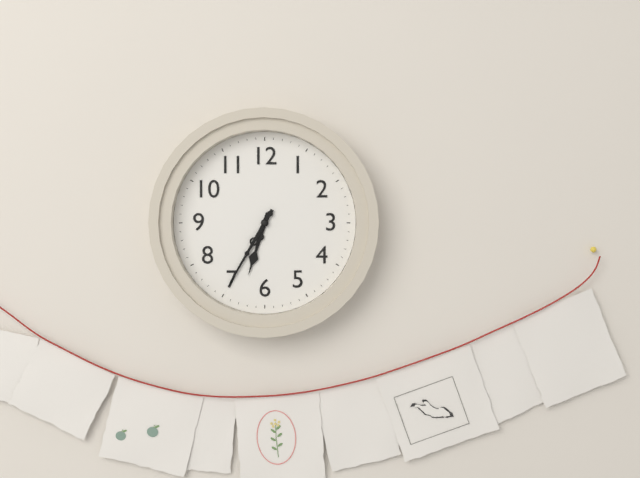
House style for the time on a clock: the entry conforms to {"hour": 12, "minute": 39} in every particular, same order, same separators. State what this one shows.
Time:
{"hour": 6, "minute": 35}
